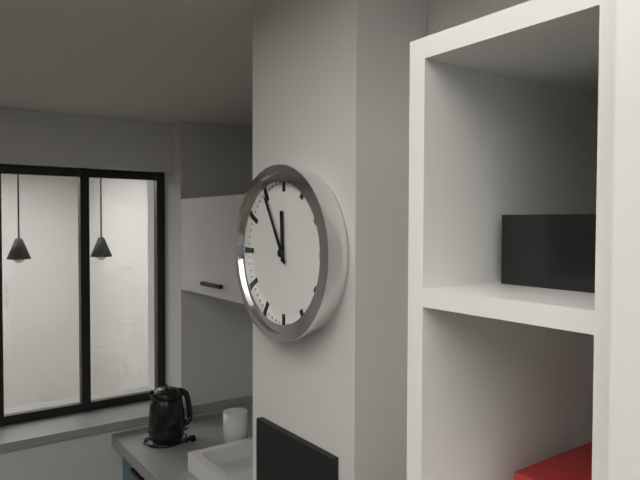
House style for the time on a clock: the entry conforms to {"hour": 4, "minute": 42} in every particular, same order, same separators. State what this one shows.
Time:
{"hour": 11, "minute": 55}
